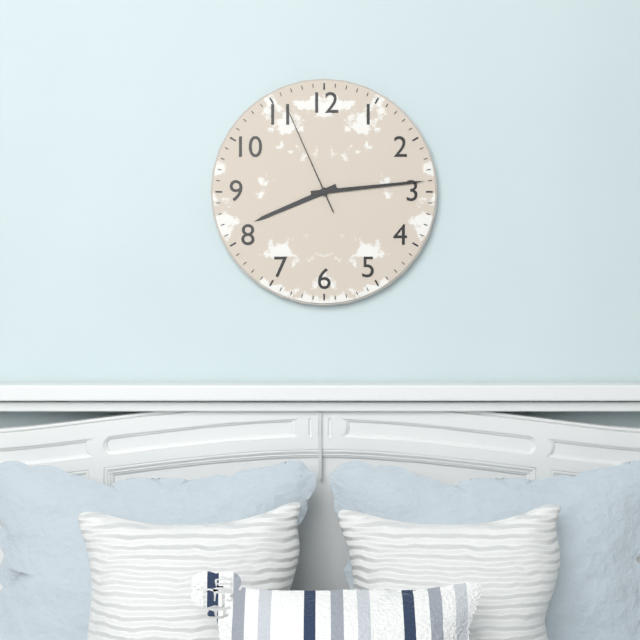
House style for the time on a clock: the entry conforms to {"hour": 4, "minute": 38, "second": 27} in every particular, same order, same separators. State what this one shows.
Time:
{"hour": 8, "minute": 14, "second": 56}
